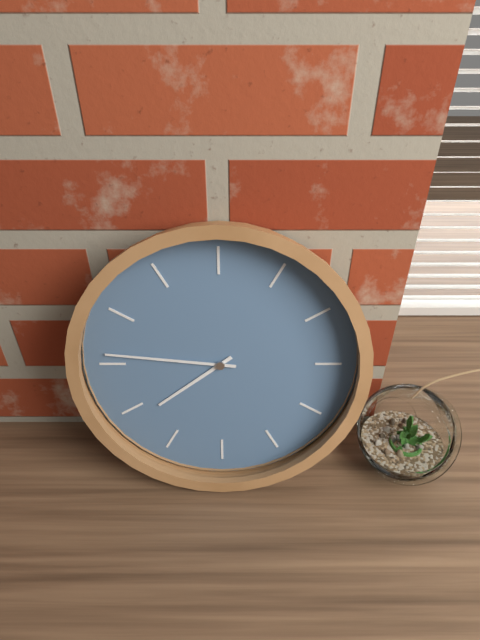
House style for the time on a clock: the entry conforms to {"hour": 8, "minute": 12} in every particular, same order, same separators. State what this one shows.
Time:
{"hour": 7, "minute": 46}
